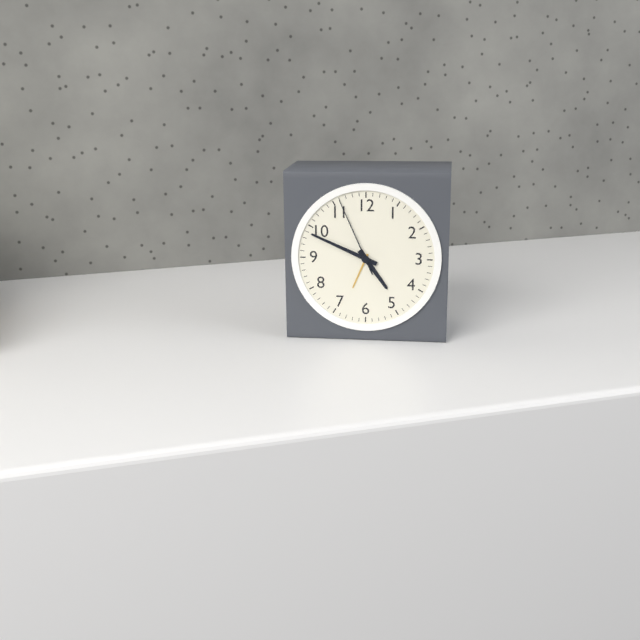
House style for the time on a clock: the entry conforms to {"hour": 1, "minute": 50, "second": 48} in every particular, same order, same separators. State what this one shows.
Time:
{"hour": 4, "minute": 49, "second": 56}
